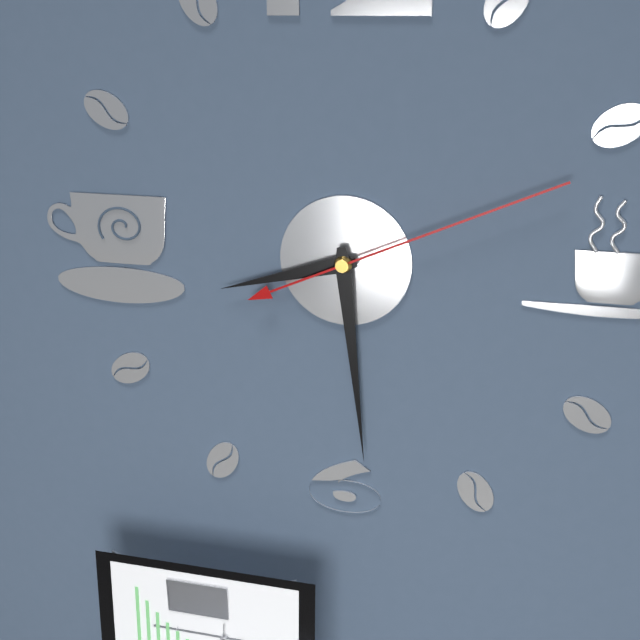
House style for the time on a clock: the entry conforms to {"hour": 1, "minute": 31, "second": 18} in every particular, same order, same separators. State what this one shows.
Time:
{"hour": 8, "minute": 29, "second": 11}
